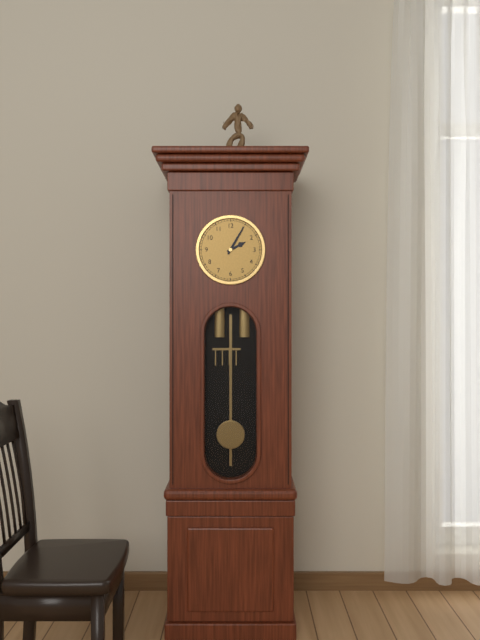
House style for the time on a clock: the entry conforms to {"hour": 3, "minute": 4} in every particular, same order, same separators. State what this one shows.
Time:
{"hour": 2, "minute": 5}
